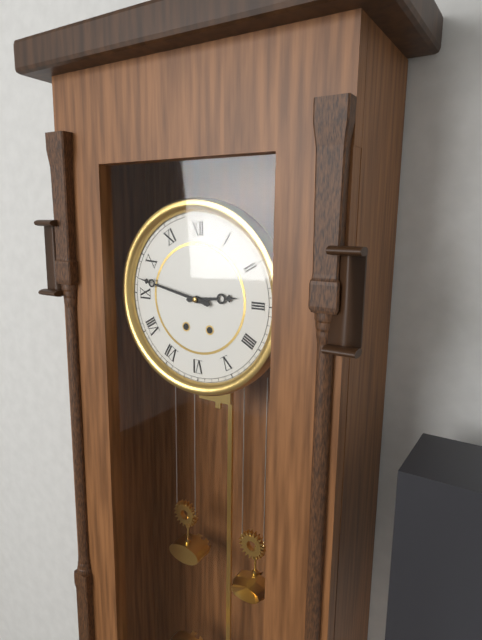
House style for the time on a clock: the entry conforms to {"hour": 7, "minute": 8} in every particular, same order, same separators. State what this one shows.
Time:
{"hour": 2, "minute": 47}
